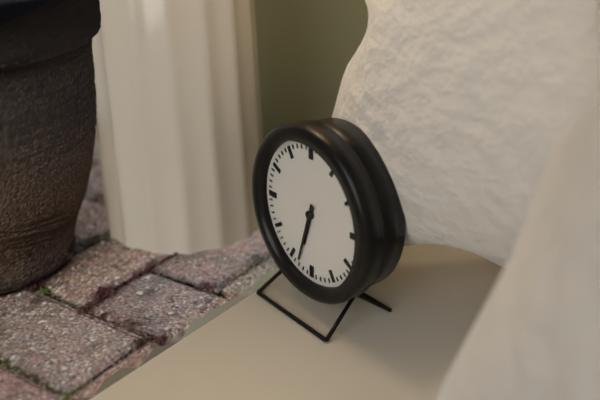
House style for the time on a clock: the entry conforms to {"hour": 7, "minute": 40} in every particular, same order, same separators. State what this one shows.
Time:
{"hour": 6, "minute": 33}
